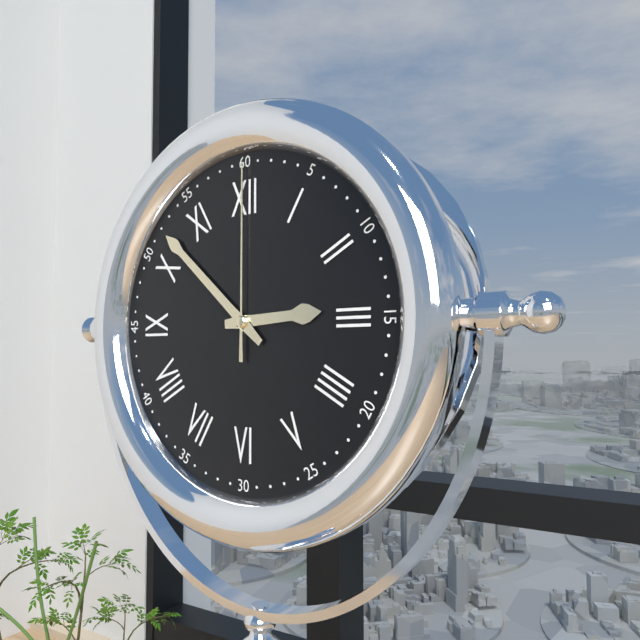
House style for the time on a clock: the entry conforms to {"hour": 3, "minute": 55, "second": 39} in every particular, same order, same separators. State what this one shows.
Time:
{"hour": 2, "minute": 52, "second": 0}
